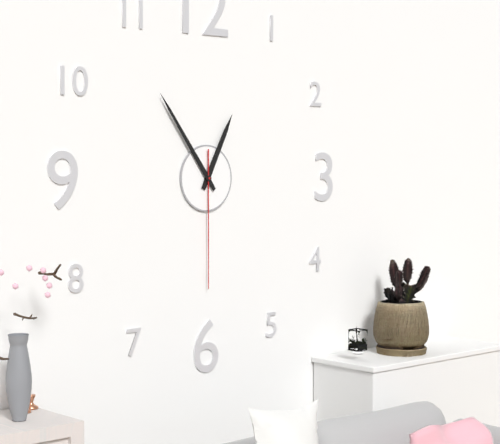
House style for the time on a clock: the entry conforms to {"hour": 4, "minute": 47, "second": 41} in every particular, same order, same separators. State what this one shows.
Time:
{"hour": 12, "minute": 54, "second": 30}
